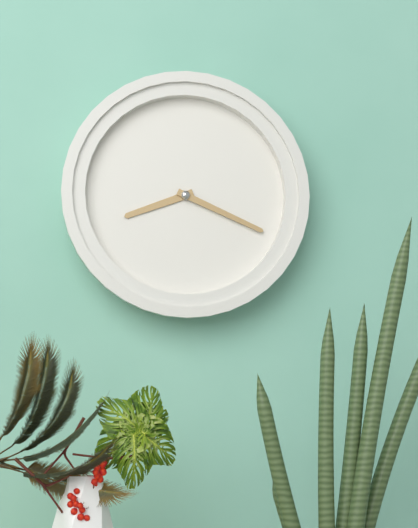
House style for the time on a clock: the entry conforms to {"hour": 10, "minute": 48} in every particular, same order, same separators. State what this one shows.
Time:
{"hour": 8, "minute": 19}
